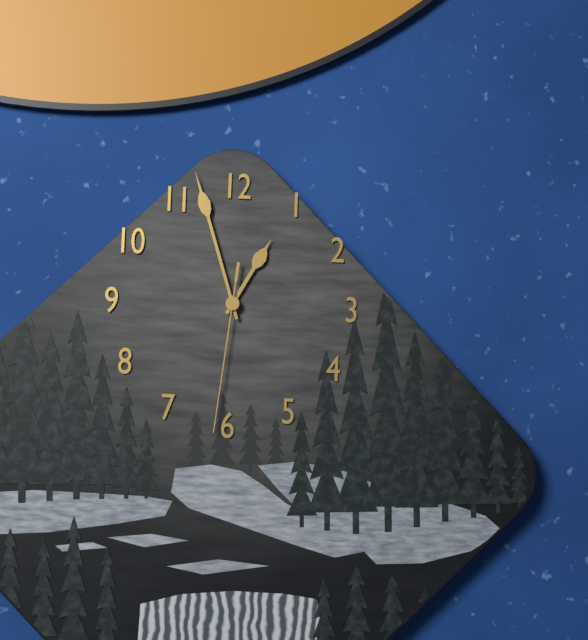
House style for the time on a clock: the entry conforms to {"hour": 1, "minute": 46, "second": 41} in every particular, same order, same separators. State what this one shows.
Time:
{"hour": 12, "minute": 57, "second": 31}
